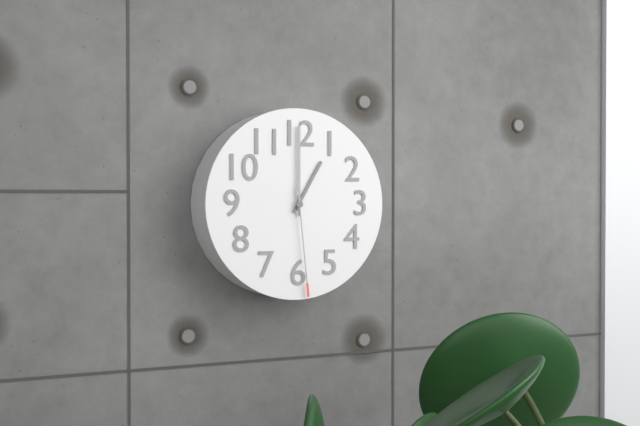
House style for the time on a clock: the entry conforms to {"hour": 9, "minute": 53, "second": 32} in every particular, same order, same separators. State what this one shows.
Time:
{"hour": 1, "minute": 0, "second": 29}
